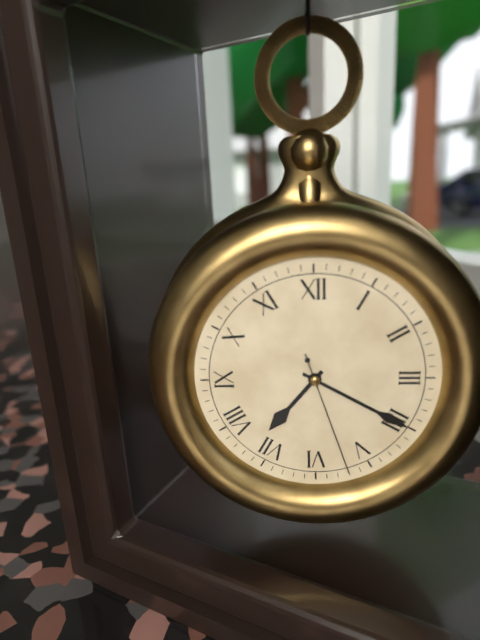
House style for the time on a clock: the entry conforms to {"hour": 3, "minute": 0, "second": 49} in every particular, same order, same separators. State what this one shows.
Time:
{"hour": 7, "minute": 20, "second": 27}
